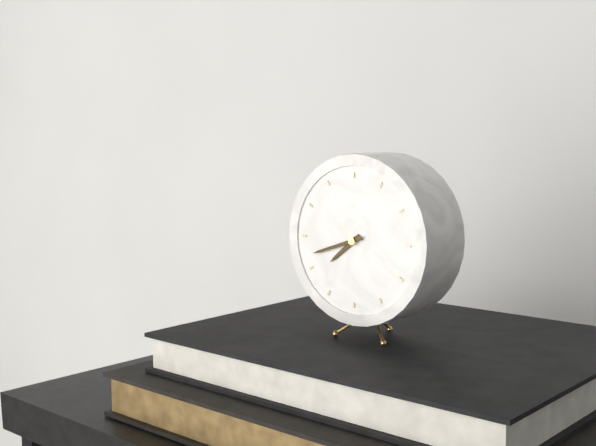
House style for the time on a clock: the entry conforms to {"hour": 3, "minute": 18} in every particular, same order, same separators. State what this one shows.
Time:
{"hour": 7, "minute": 42}
